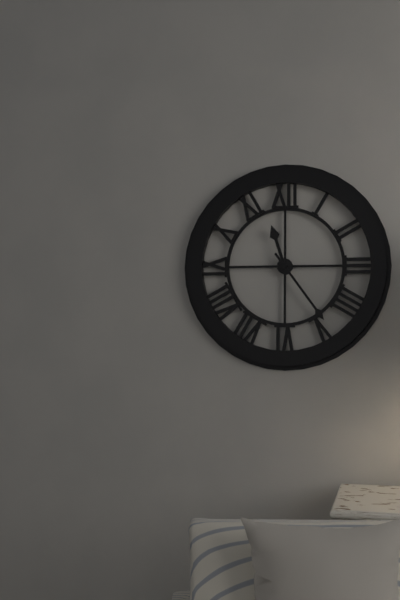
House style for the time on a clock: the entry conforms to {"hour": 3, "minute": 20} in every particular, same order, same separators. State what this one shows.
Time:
{"hour": 11, "minute": 24}
